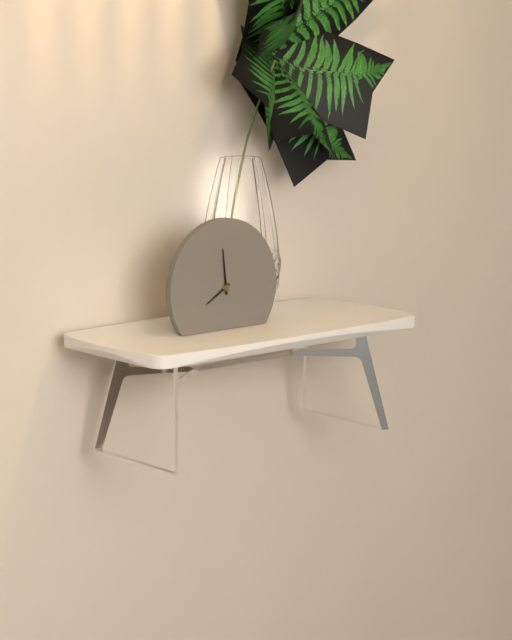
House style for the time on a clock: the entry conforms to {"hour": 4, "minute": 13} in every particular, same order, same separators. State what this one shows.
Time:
{"hour": 7, "minute": 59}
